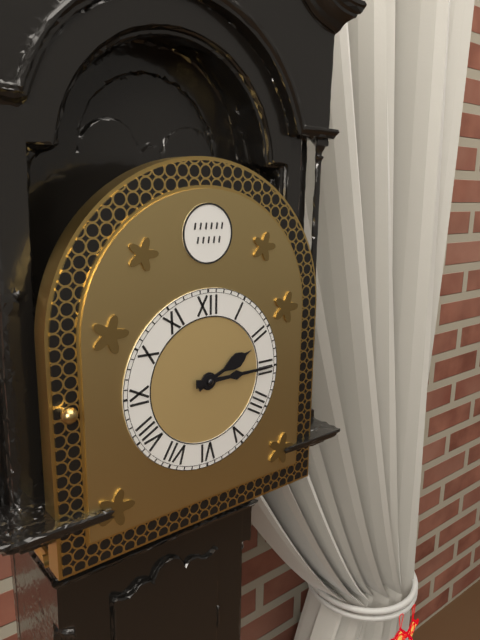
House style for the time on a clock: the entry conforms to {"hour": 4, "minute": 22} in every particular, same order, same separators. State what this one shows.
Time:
{"hour": 2, "minute": 15}
